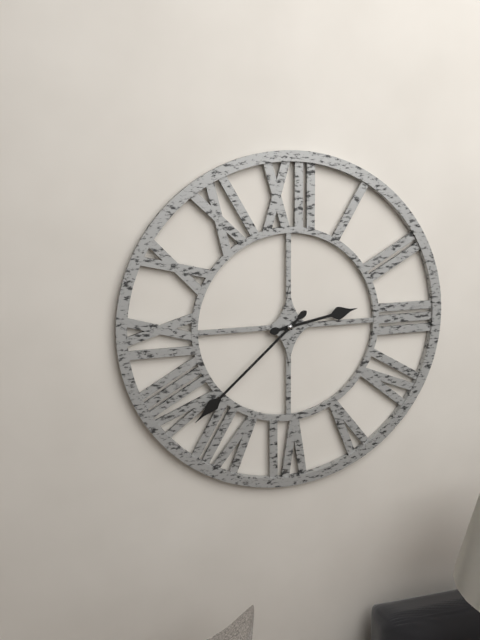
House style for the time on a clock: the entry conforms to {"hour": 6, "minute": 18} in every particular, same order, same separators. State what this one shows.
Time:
{"hour": 2, "minute": 38}
